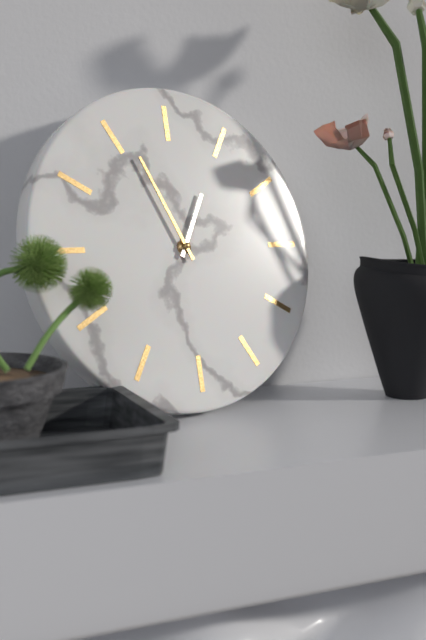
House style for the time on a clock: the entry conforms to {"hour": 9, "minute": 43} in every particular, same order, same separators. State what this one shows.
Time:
{"hour": 12, "minute": 56}
